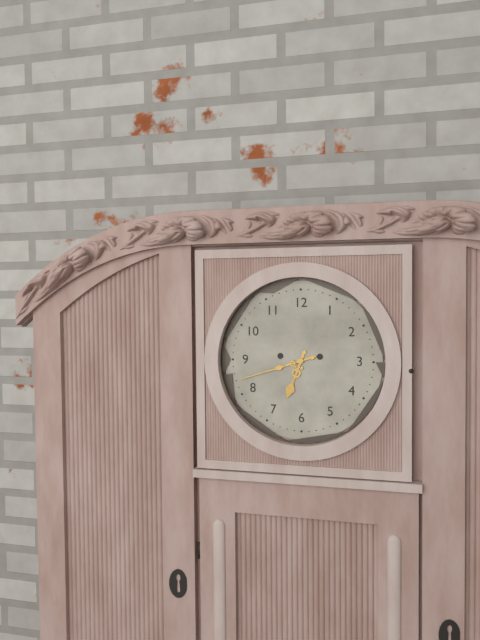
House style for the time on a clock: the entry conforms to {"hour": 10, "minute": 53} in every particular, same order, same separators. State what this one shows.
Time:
{"hour": 6, "minute": 42}
